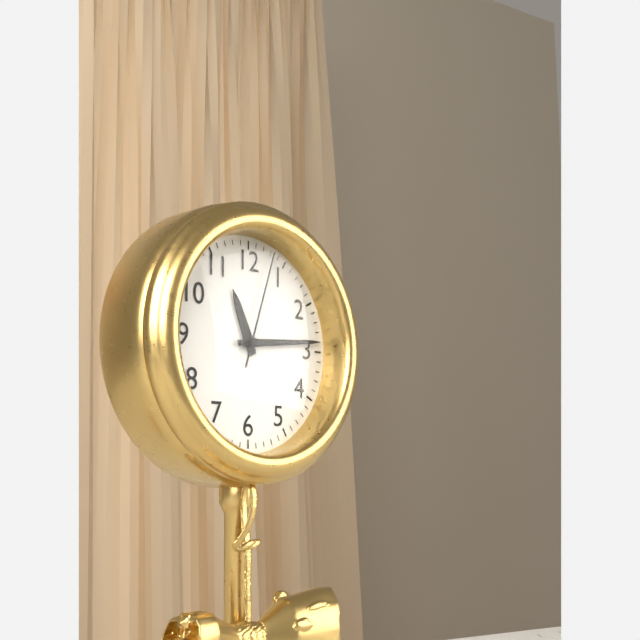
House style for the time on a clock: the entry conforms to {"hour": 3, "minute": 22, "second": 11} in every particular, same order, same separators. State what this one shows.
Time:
{"hour": 11, "minute": 14, "second": 3}
